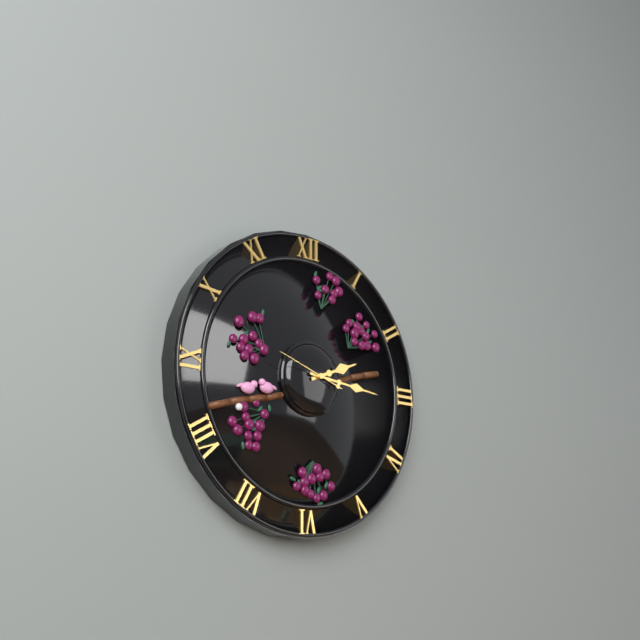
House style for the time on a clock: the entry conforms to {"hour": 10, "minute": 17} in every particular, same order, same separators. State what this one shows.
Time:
{"hour": 2, "minute": 16}
